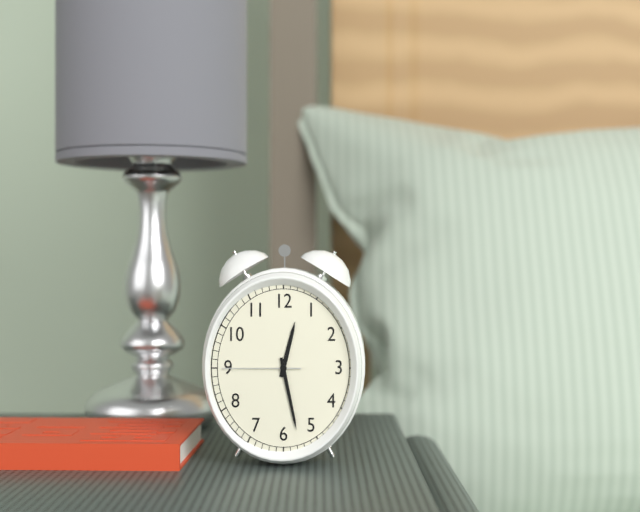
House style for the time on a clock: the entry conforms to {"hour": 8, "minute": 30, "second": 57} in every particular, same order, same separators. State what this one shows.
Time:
{"hour": 12, "minute": 28, "second": 45}
